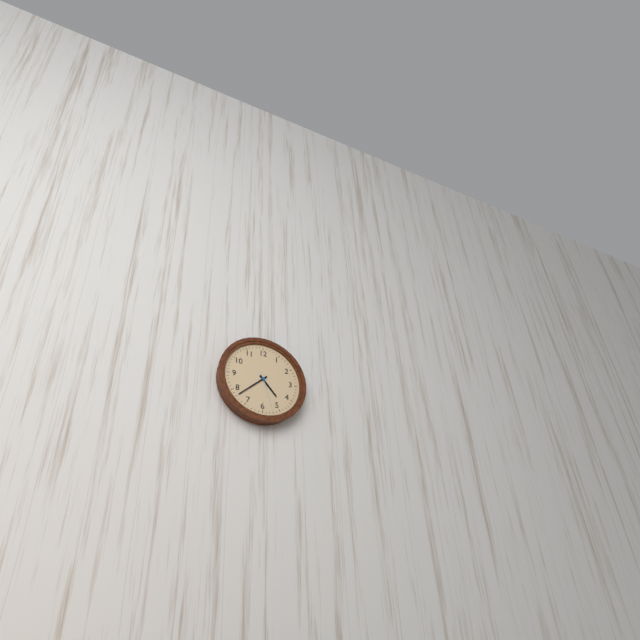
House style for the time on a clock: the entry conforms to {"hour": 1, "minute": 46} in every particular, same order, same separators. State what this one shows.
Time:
{"hour": 4, "minute": 38}
